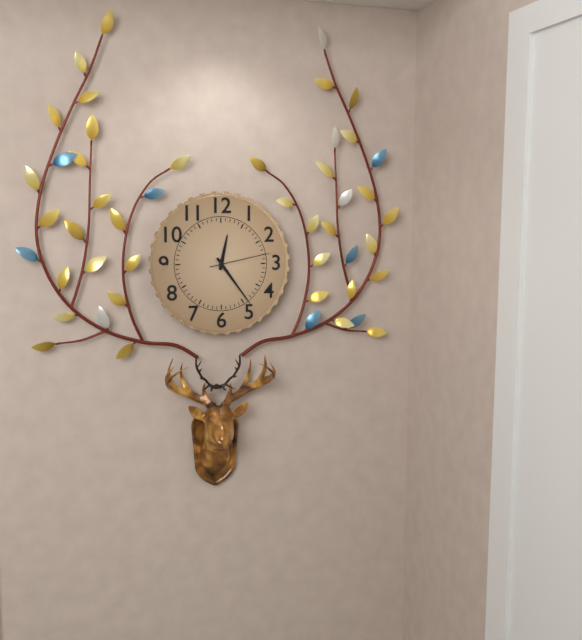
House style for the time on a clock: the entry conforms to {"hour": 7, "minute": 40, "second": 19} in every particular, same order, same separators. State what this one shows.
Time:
{"hour": 12, "minute": 24, "second": 13}
